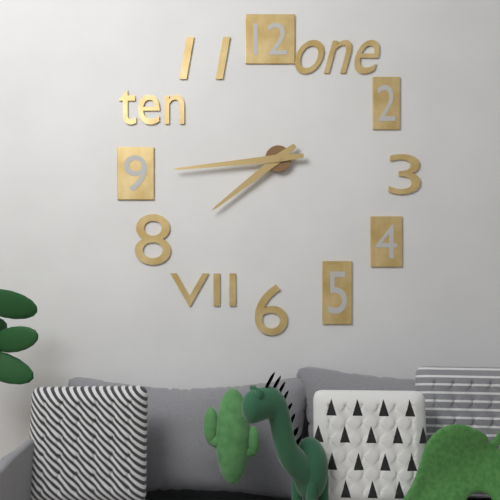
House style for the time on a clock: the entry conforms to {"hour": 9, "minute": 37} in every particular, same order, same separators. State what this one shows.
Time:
{"hour": 7, "minute": 44}
